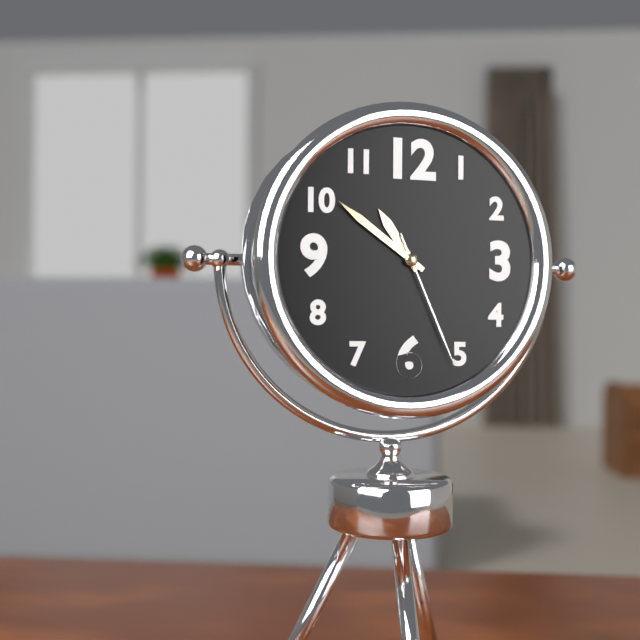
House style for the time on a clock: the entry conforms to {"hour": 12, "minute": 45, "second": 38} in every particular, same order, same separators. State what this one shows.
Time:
{"hour": 10, "minute": 51, "second": 26}
